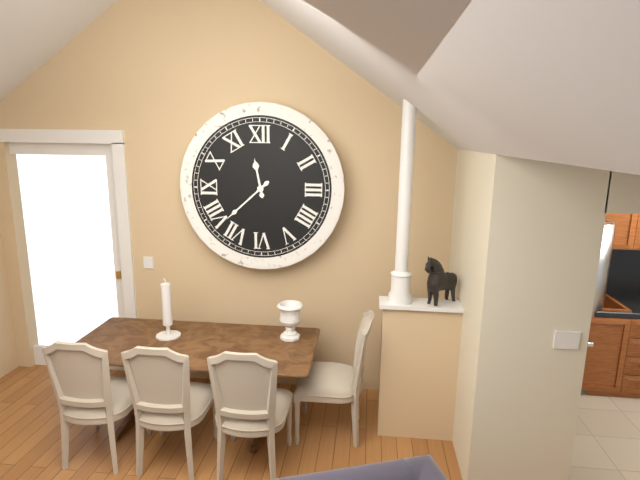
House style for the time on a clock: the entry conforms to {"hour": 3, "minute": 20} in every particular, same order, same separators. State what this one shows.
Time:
{"hour": 11, "minute": 38}
